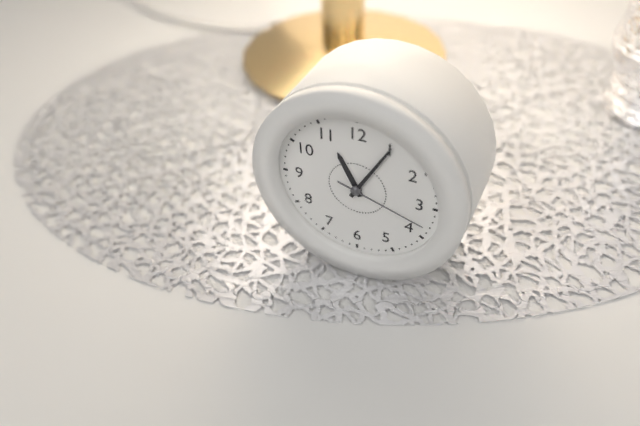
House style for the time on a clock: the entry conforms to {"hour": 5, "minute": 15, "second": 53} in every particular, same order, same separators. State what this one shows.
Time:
{"hour": 11, "minute": 5, "second": 18}
